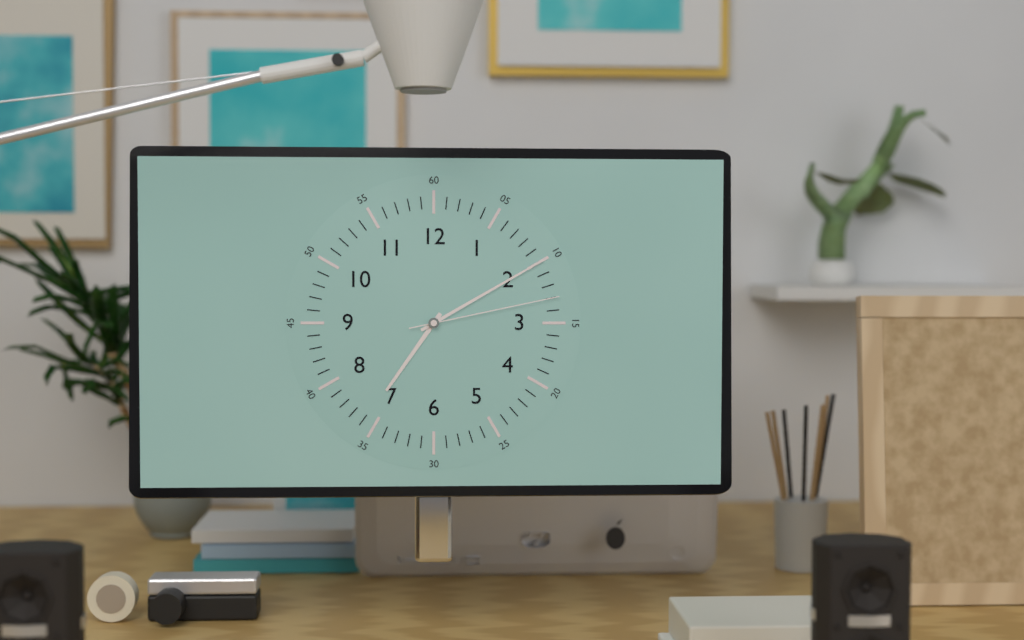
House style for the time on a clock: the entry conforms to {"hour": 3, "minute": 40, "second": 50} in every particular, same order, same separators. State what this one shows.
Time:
{"hour": 7, "minute": 10, "second": 13}
